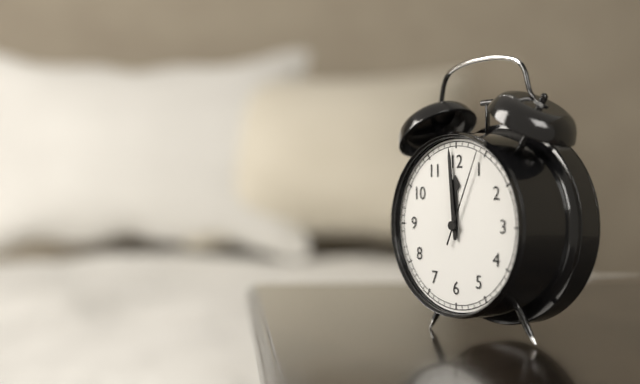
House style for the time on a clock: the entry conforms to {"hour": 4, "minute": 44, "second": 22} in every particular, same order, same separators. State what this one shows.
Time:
{"hour": 11, "minute": 59, "second": 4}
